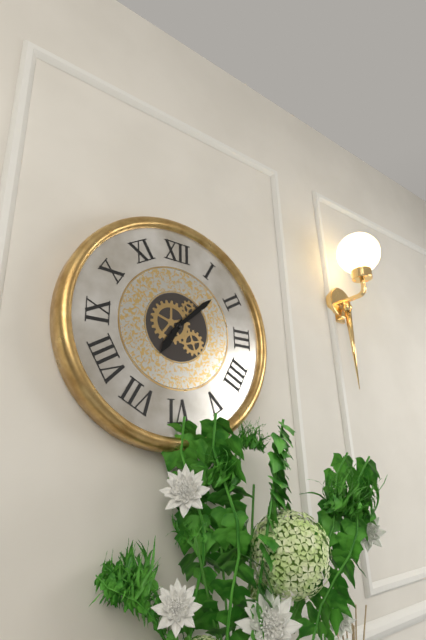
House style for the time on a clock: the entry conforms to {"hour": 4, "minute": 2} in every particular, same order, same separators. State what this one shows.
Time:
{"hour": 7, "minute": 8}
